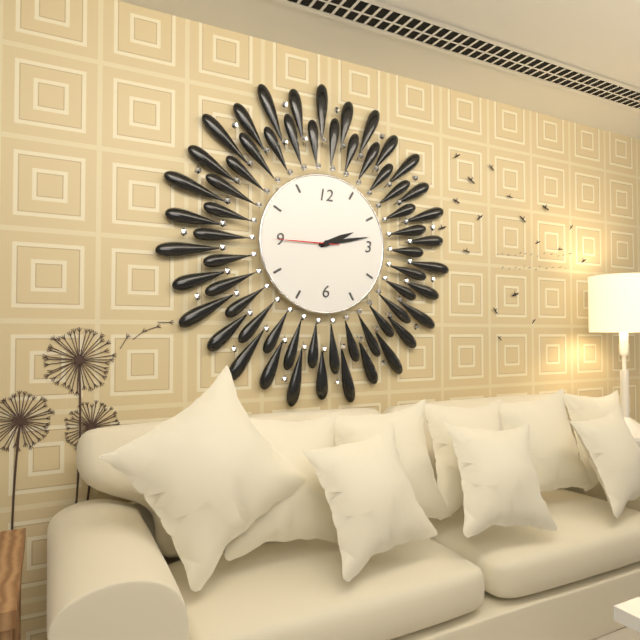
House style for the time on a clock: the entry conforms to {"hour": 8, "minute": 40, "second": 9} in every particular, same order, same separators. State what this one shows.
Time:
{"hour": 2, "minute": 13, "second": 45}
